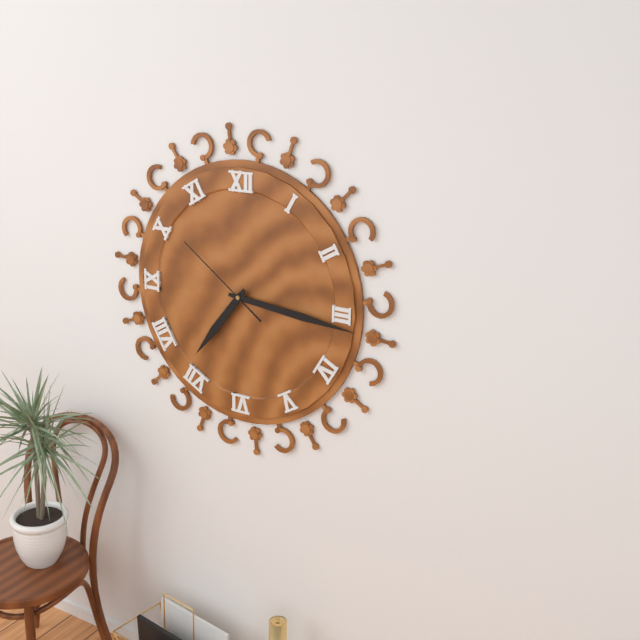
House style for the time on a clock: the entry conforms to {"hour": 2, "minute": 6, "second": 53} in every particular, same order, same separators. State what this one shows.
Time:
{"hour": 7, "minute": 16, "second": 51}
